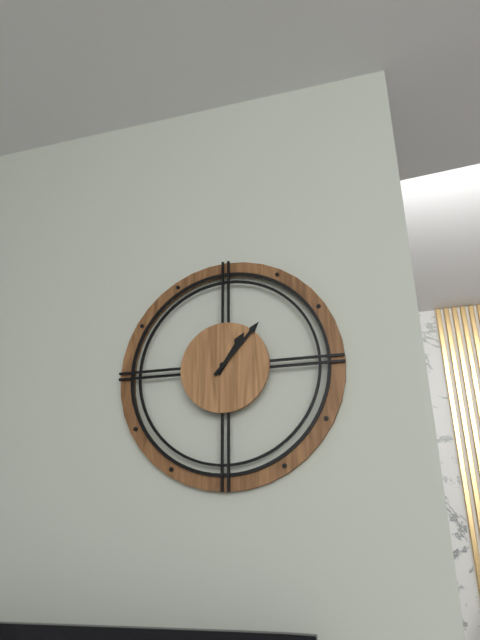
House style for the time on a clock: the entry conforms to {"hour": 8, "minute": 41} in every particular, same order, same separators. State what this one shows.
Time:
{"hour": 1, "minute": 7}
